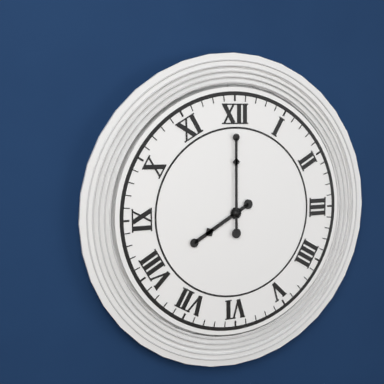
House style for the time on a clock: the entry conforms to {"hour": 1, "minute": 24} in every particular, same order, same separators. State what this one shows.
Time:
{"hour": 8, "minute": 0}
